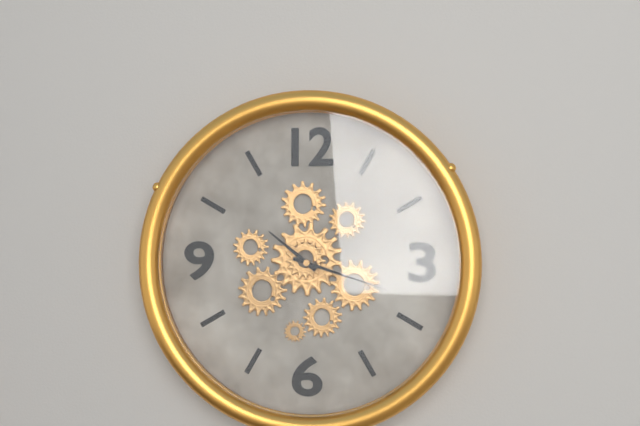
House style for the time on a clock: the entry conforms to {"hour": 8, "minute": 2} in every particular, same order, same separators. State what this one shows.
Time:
{"hour": 10, "minute": 18}
